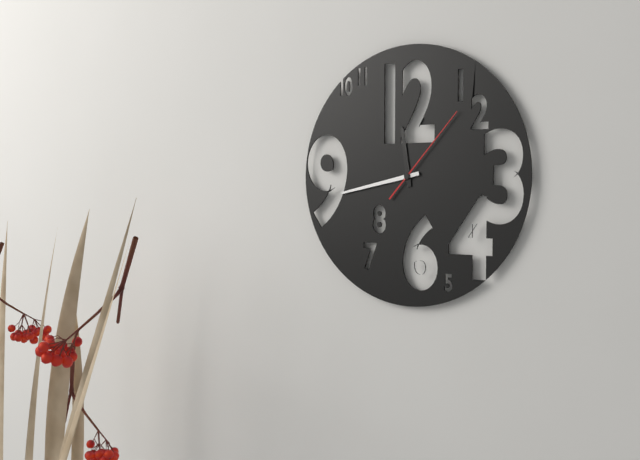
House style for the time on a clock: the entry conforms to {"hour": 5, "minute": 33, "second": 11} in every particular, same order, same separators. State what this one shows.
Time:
{"hour": 11, "minute": 43, "second": 7}
